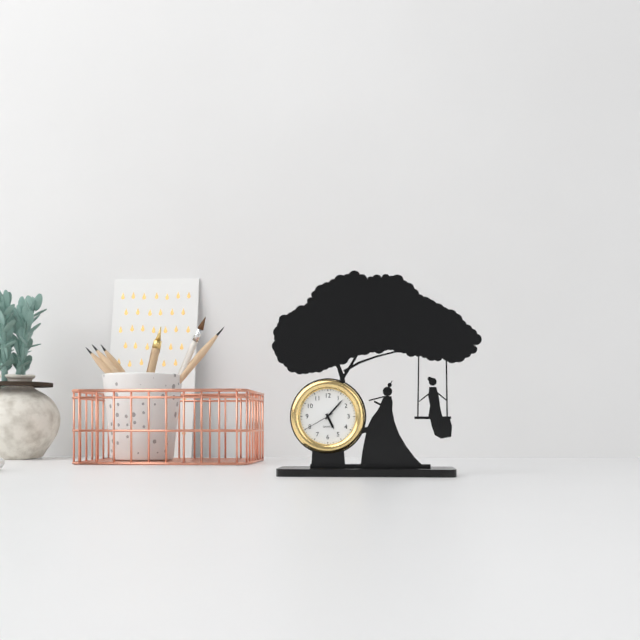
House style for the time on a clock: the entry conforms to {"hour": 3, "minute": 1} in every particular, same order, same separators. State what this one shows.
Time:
{"hour": 5, "minute": 7}
